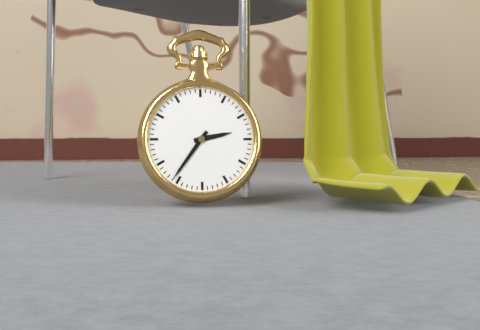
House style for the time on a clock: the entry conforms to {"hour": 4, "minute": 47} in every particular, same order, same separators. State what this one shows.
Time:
{"hour": 2, "minute": 36}
